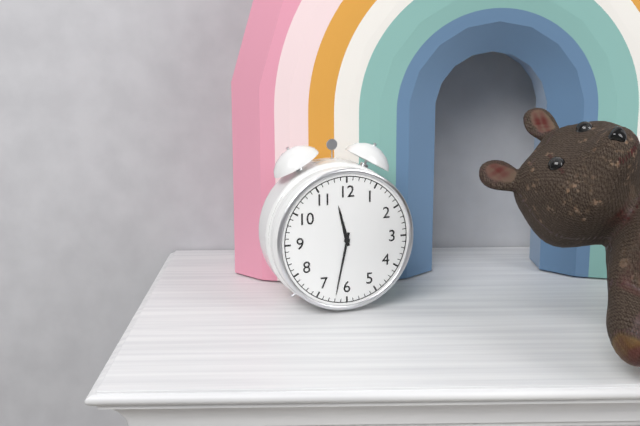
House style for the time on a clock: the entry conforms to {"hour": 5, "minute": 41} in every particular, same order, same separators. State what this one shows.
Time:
{"hour": 11, "minute": 32}
